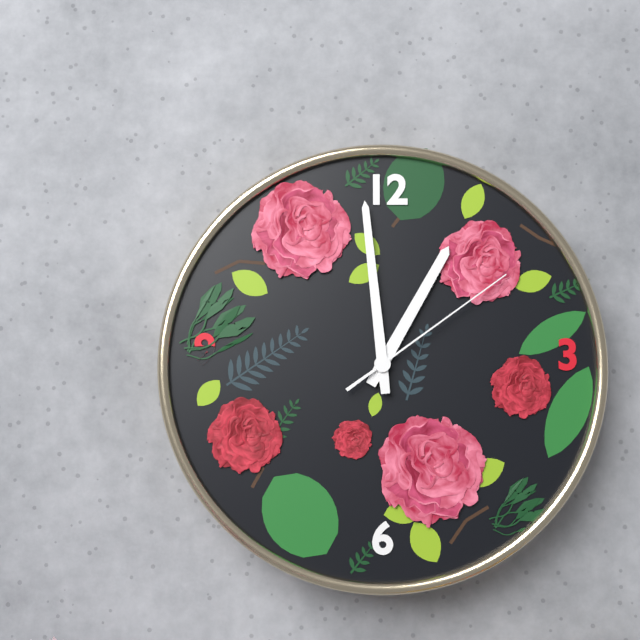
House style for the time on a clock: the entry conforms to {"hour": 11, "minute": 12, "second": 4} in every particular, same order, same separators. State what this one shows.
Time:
{"hour": 12, "minute": 59, "second": 9}
